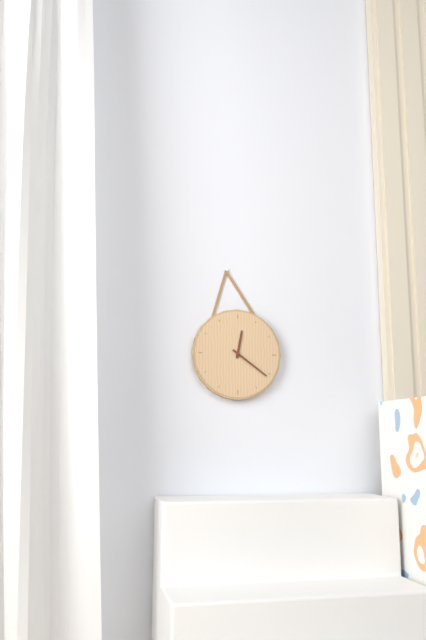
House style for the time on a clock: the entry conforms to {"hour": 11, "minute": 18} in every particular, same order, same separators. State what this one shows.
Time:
{"hour": 12, "minute": 21}
